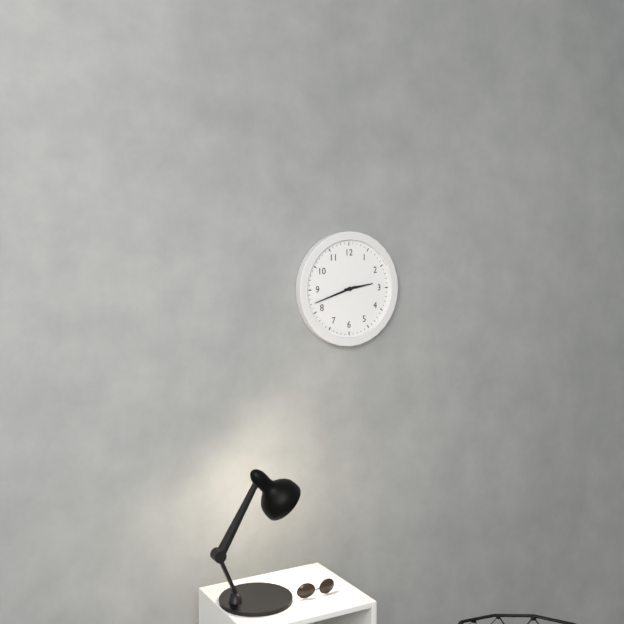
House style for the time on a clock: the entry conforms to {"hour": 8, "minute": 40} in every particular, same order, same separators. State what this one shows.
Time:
{"hour": 2, "minute": 42}
